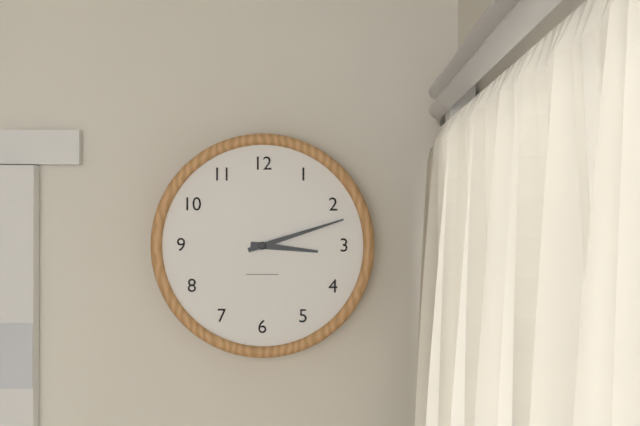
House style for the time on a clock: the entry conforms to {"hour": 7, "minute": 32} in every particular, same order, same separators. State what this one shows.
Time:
{"hour": 3, "minute": 12}
